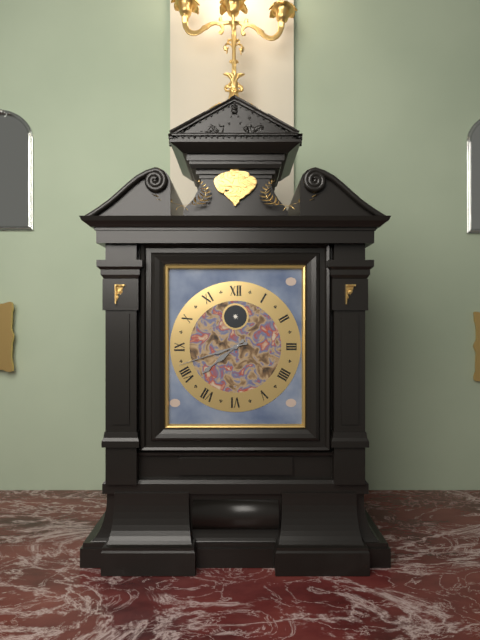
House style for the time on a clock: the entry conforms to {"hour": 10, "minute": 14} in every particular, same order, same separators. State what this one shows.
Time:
{"hour": 7, "minute": 42}
